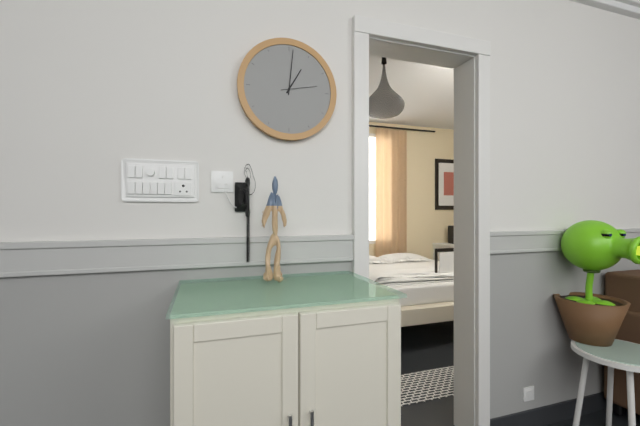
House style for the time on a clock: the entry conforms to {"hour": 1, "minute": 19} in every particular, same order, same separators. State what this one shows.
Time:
{"hour": 1, "minute": 1}
